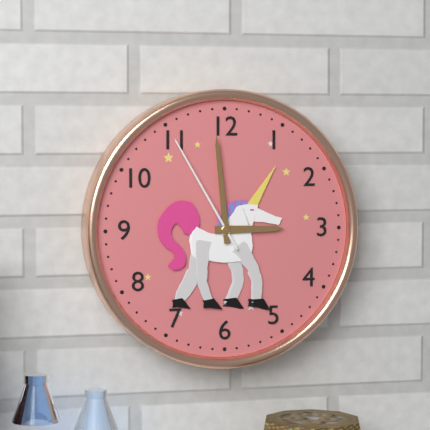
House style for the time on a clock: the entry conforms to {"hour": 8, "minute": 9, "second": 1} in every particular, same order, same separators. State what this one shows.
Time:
{"hour": 2, "minute": 59, "second": 55}
